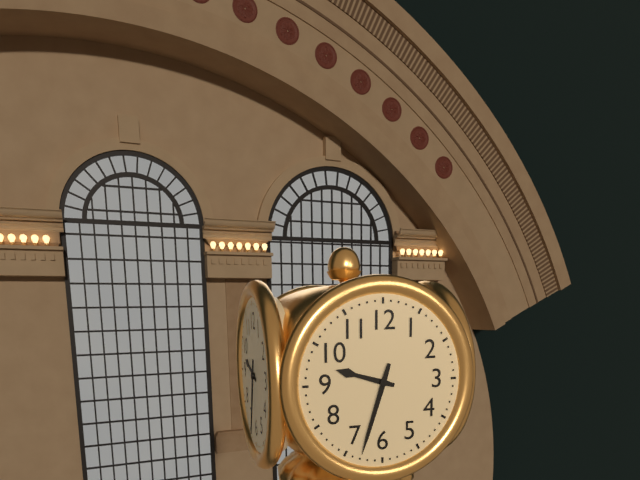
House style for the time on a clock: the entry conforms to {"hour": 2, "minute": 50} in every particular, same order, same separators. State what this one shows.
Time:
{"hour": 9, "minute": 33}
